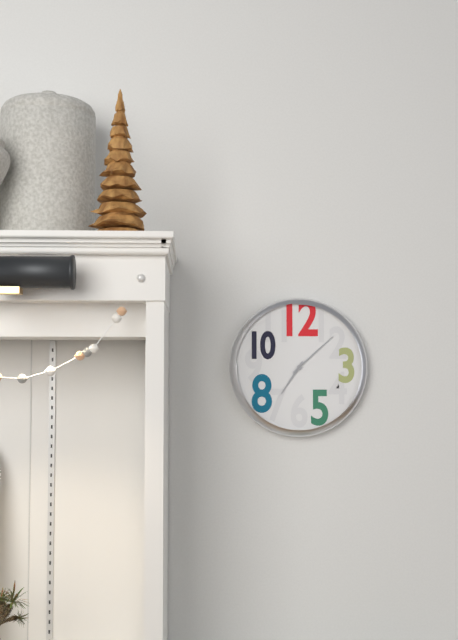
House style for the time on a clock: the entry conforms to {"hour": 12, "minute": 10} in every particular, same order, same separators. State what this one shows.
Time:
{"hour": 7, "minute": 8}
